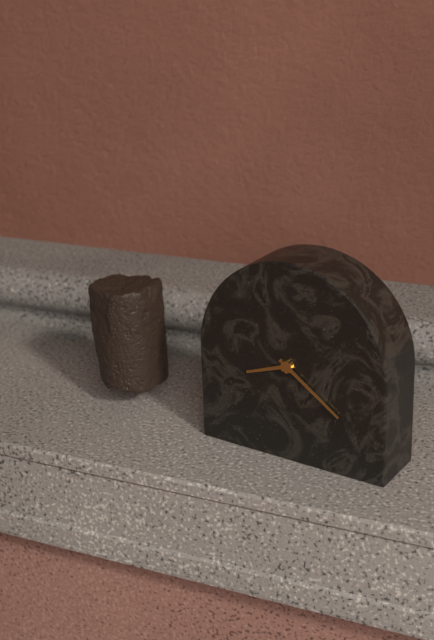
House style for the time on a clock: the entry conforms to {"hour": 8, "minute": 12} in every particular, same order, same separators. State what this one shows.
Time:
{"hour": 8, "minute": 21}
